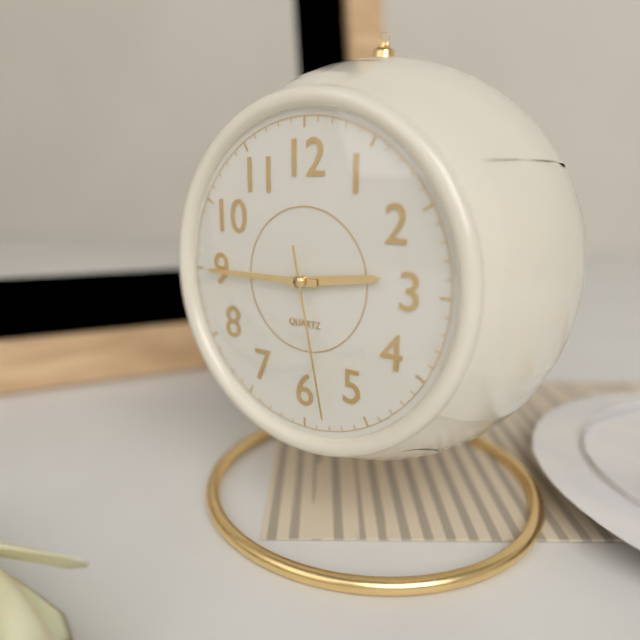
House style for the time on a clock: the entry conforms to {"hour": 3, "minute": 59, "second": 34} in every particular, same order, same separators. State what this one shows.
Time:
{"hour": 2, "minute": 45, "second": 28}
